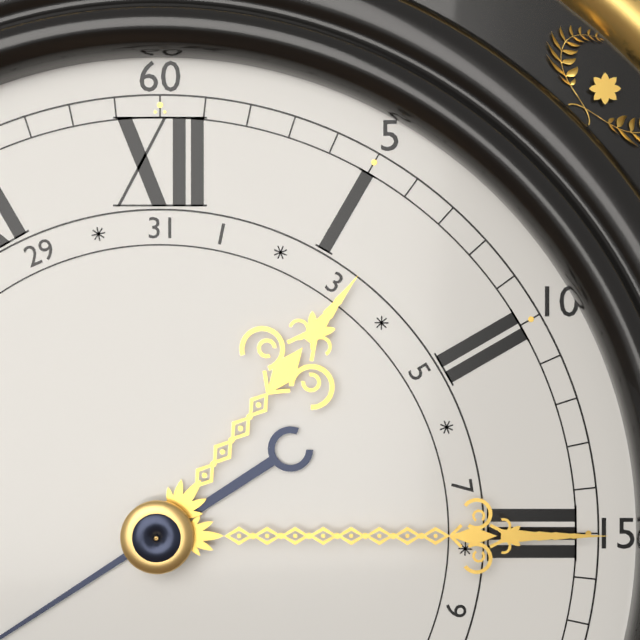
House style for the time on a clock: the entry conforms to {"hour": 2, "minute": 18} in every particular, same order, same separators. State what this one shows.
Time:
{"hour": 1, "minute": 15}
